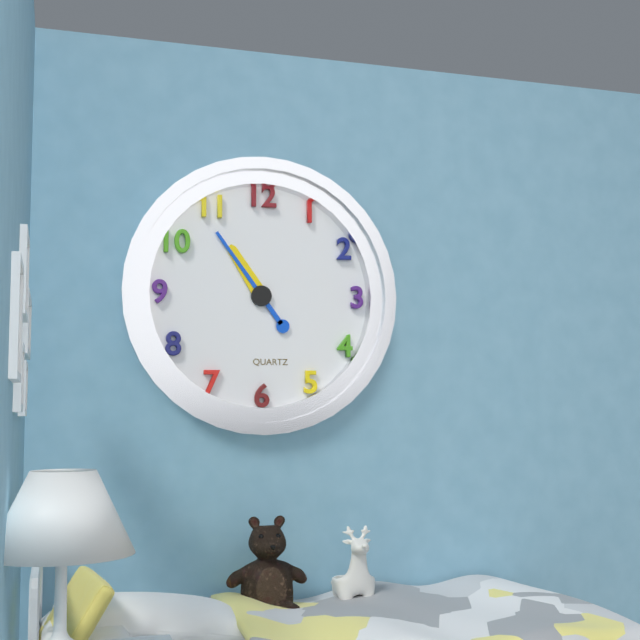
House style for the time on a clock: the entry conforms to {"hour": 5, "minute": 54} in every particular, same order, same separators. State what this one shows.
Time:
{"hour": 10, "minute": 54}
